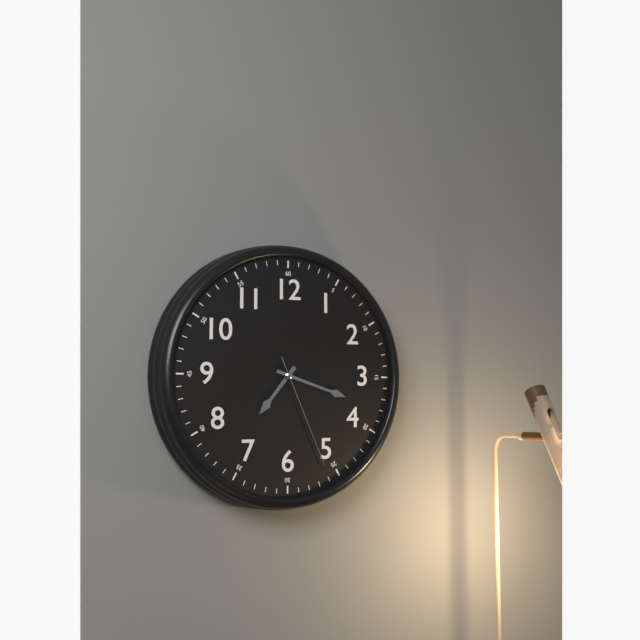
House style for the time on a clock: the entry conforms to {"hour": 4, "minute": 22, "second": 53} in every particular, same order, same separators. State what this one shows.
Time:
{"hour": 7, "minute": 18, "second": 26}
